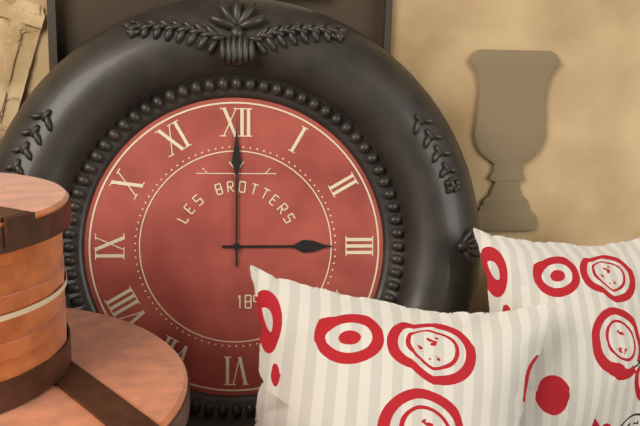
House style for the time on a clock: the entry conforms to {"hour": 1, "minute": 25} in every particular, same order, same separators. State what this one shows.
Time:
{"hour": 3, "minute": 0}
